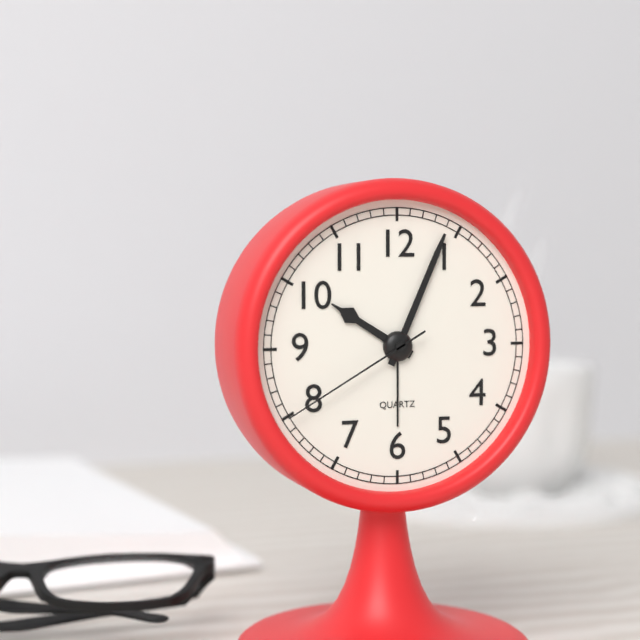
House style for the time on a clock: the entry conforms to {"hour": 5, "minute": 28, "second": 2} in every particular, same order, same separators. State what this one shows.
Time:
{"hour": 10, "minute": 4, "second": 40}
